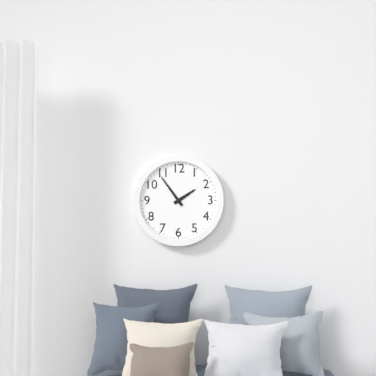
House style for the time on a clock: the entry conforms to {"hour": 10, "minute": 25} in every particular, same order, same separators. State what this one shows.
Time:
{"hour": 1, "minute": 54}
